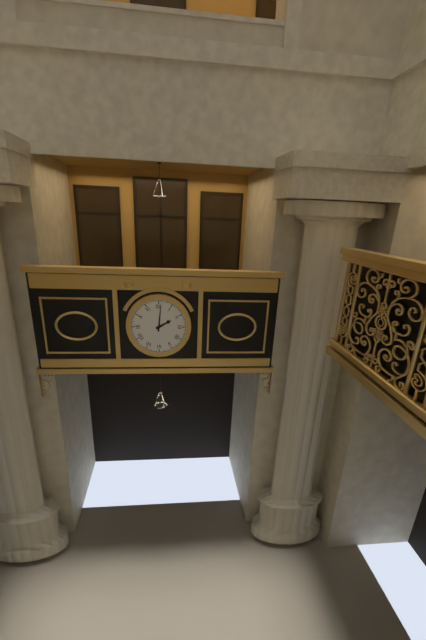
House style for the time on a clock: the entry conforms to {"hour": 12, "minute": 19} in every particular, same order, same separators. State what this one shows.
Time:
{"hour": 2, "minute": 1}
